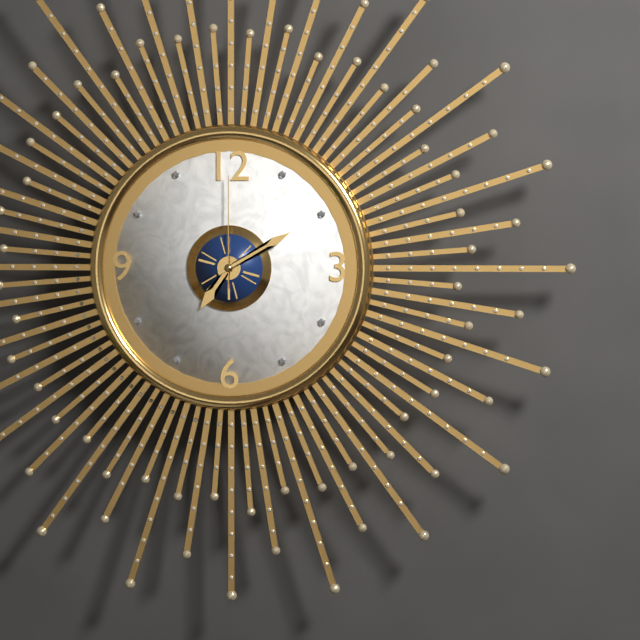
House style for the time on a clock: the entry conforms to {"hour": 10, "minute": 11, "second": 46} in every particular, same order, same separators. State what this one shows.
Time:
{"hour": 7, "minute": 10, "second": 0}
